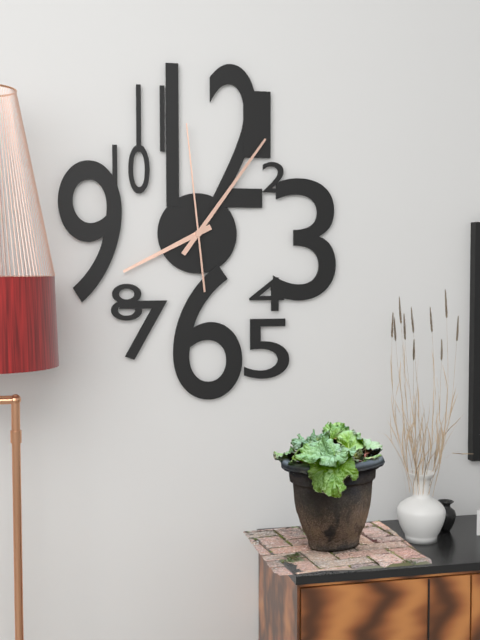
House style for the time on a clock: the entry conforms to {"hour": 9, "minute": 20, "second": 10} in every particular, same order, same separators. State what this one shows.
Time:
{"hour": 8, "minute": 6, "second": 59}
